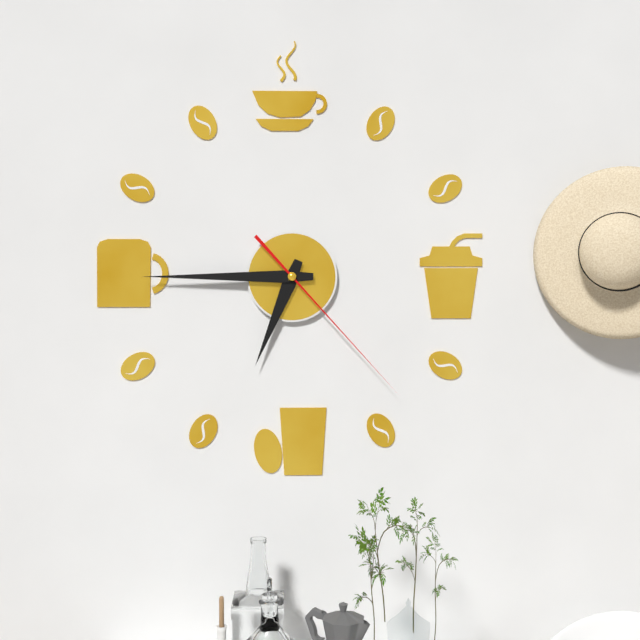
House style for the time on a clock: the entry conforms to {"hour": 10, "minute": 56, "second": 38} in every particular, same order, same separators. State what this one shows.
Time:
{"hour": 6, "minute": 45, "second": 23}
